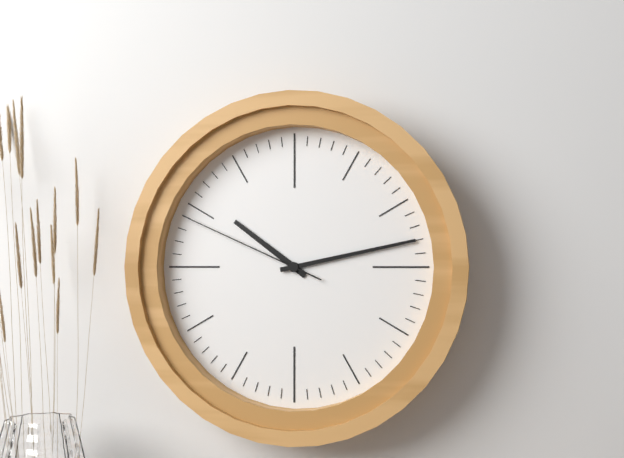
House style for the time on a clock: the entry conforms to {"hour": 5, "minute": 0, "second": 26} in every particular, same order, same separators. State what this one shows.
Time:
{"hour": 10, "minute": 13, "second": 49}
